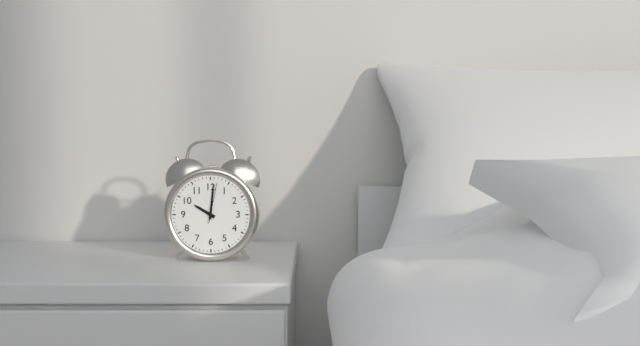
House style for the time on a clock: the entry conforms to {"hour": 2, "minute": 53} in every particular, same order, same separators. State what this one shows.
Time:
{"hour": 10, "minute": 1}
